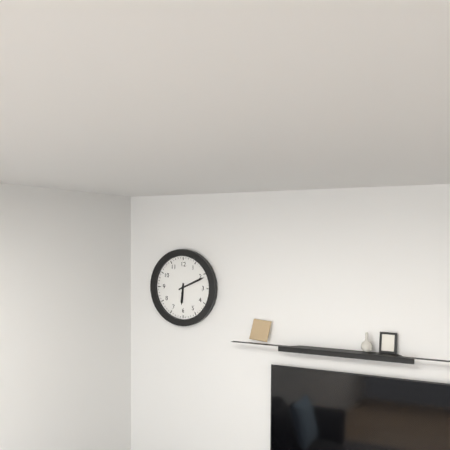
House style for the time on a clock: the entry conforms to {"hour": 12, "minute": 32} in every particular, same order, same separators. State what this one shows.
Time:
{"hour": 6, "minute": 11}
